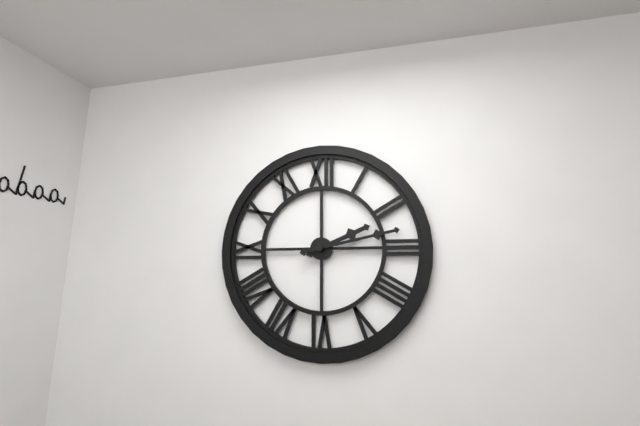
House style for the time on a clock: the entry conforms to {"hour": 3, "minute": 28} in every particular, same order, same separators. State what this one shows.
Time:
{"hour": 2, "minute": 13}
